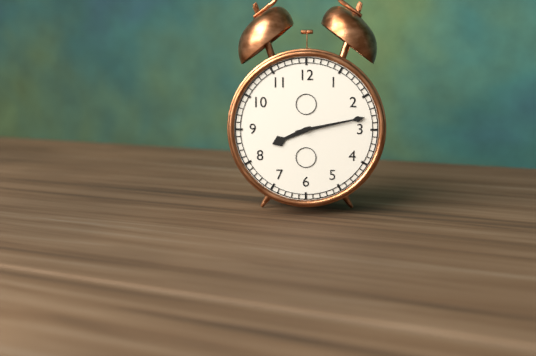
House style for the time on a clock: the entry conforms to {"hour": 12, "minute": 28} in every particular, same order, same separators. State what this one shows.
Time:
{"hour": 8, "minute": 13}
